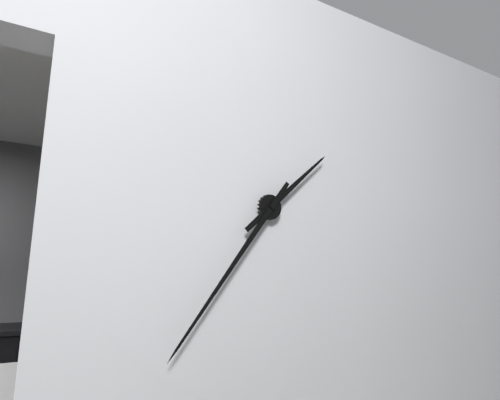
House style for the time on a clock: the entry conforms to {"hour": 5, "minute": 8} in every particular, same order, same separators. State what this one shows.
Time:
{"hour": 1, "minute": 36}
